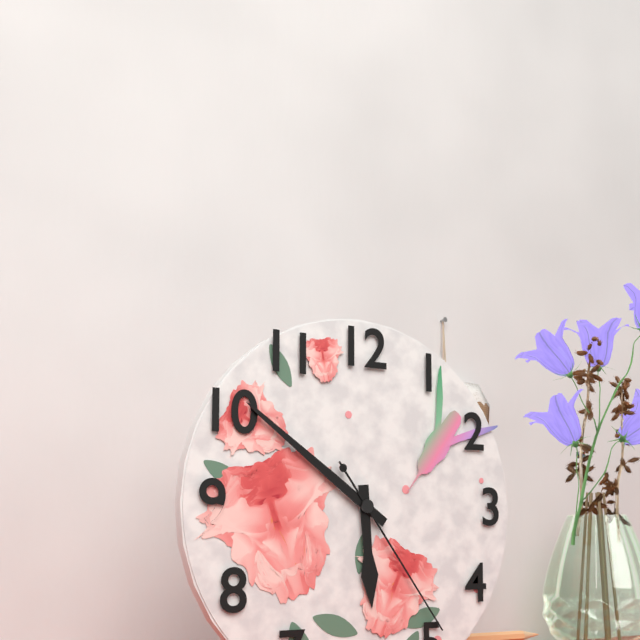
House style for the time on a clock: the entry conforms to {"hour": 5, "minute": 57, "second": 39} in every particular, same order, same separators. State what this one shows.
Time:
{"hour": 5, "minute": 51, "second": 24}
